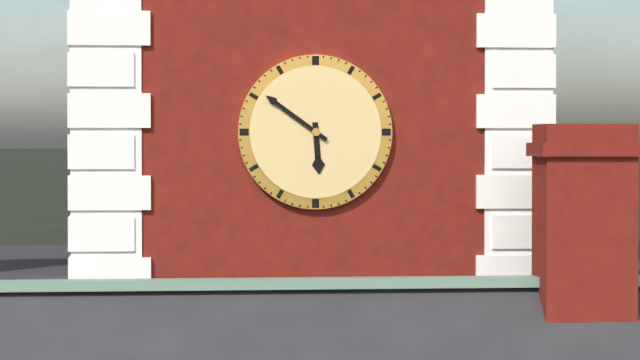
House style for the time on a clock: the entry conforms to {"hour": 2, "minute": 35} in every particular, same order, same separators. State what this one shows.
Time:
{"hour": 5, "minute": 51}
